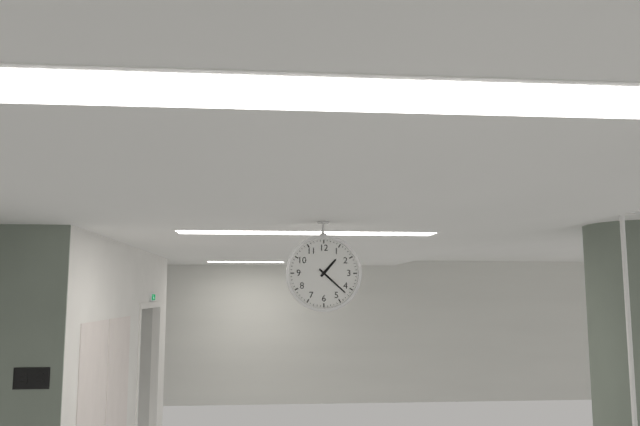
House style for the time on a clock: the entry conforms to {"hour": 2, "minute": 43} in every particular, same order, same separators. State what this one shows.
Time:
{"hour": 1, "minute": 22}
